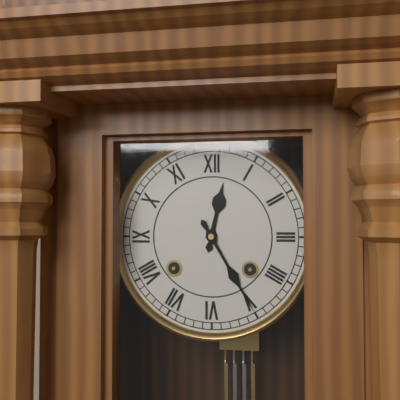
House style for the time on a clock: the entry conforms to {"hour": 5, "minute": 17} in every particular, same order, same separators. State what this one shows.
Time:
{"hour": 12, "minute": 25}
